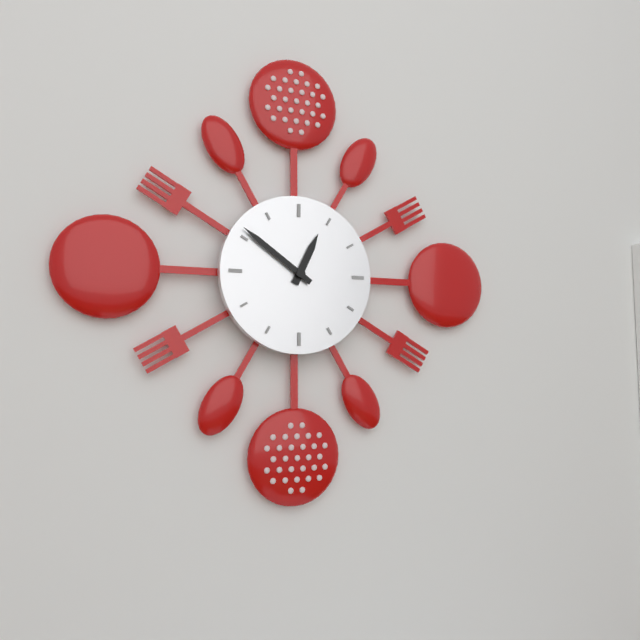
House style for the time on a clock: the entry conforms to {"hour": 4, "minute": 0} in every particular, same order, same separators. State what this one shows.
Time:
{"hour": 12, "minute": 51}
